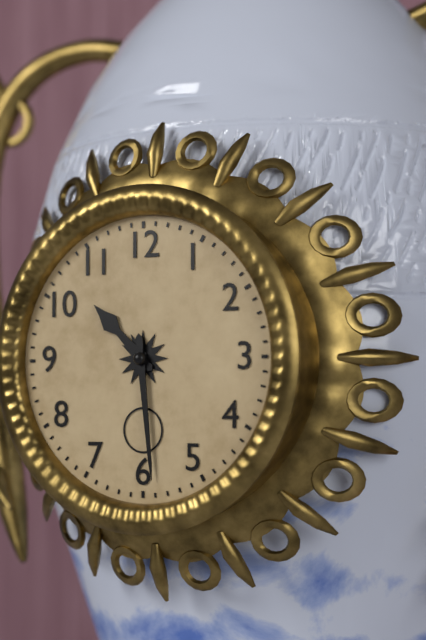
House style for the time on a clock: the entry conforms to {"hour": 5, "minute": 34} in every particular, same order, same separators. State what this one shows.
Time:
{"hour": 10, "minute": 29}
